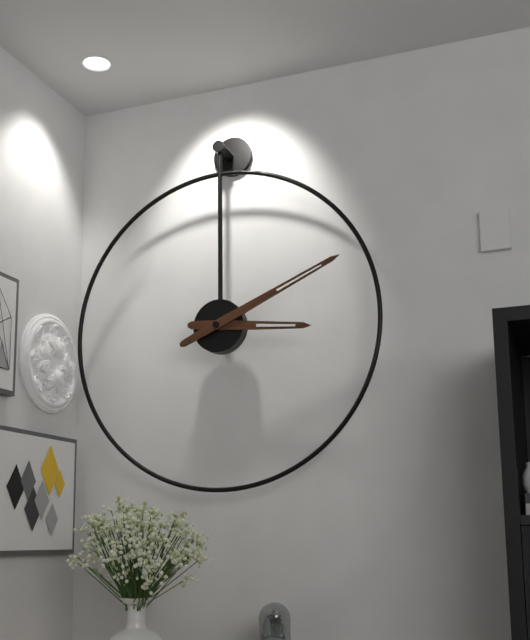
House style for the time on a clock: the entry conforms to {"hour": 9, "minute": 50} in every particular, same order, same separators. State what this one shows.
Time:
{"hour": 3, "minute": 11}
